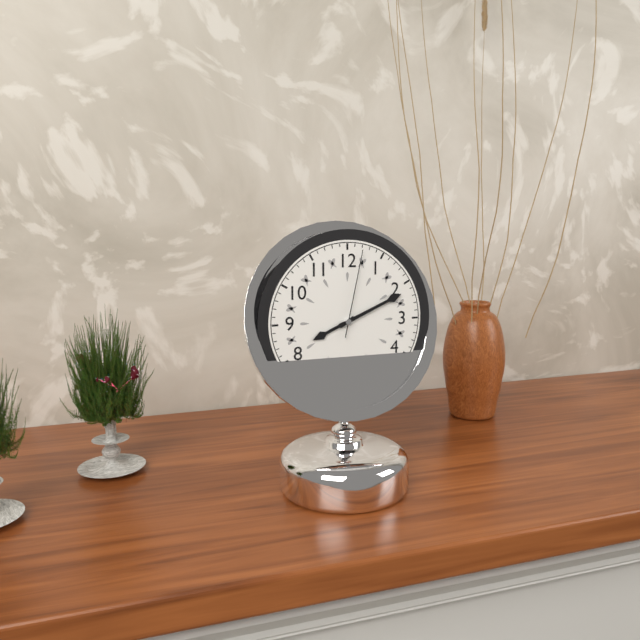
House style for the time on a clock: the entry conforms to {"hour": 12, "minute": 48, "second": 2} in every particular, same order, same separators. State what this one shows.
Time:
{"hour": 8, "minute": 11, "second": 2}
